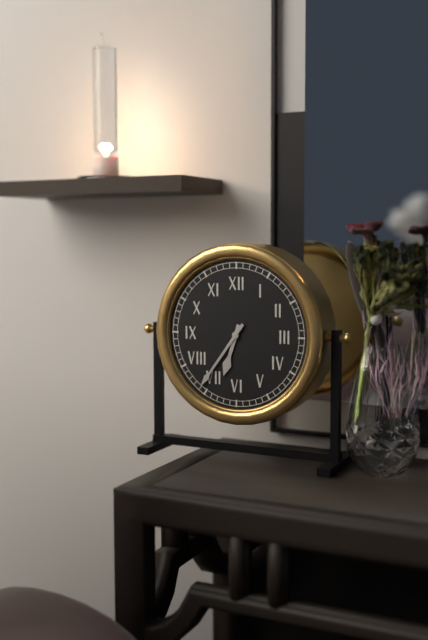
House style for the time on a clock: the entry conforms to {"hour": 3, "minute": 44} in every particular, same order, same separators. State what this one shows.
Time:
{"hour": 6, "minute": 36}
